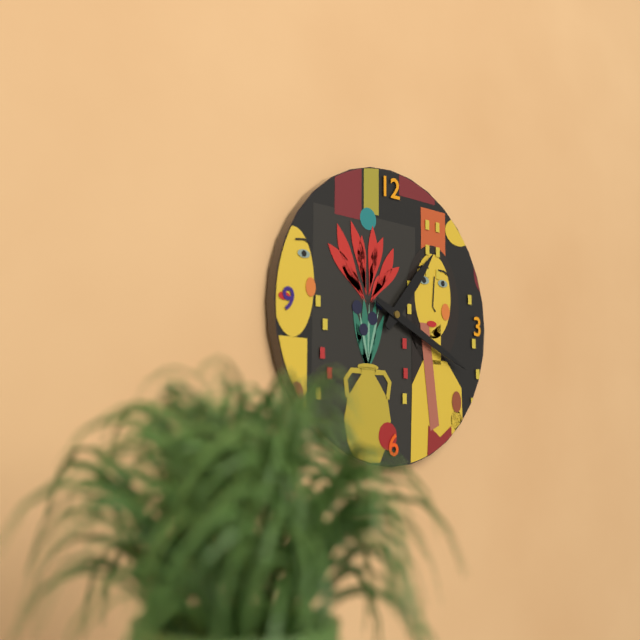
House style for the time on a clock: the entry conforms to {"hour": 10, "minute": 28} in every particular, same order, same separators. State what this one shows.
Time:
{"hour": 1, "minute": 19}
